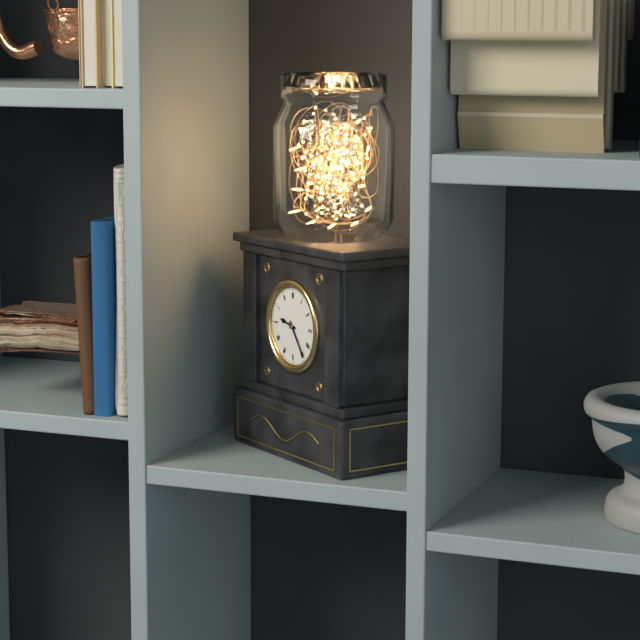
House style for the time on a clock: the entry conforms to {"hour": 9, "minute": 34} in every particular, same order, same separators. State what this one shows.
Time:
{"hour": 9, "minute": 24}
